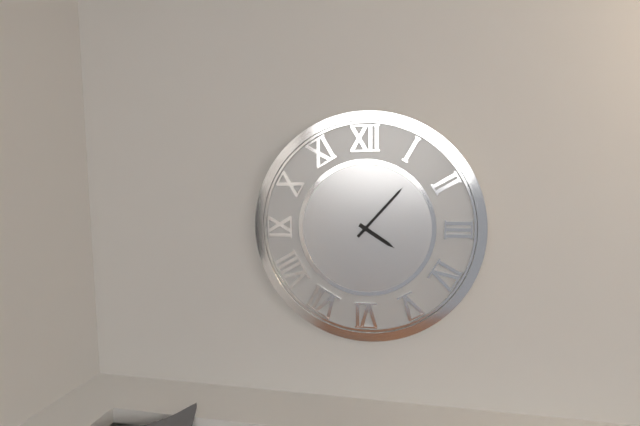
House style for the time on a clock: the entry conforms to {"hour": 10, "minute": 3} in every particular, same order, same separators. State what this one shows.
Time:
{"hour": 4, "minute": 7}
